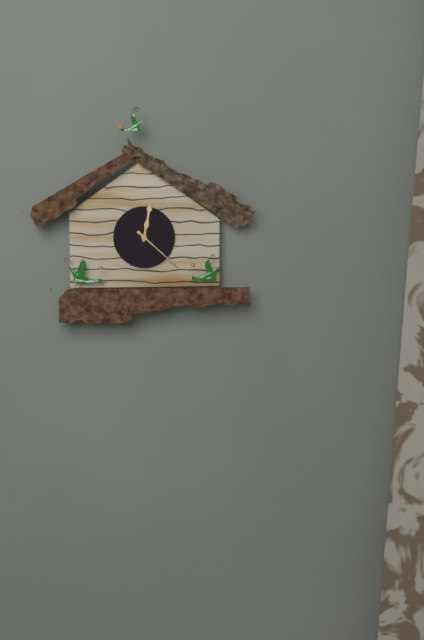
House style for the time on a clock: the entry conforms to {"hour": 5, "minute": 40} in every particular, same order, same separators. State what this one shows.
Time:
{"hour": 12, "minute": 22}
